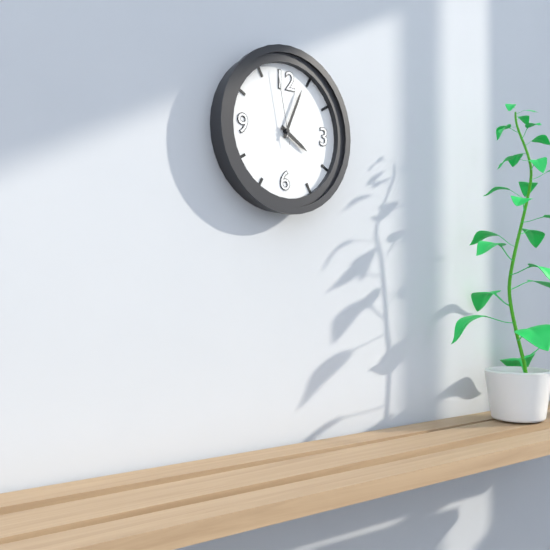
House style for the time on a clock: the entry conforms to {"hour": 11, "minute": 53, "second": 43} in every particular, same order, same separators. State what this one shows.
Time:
{"hour": 4, "minute": 4, "second": 58}
